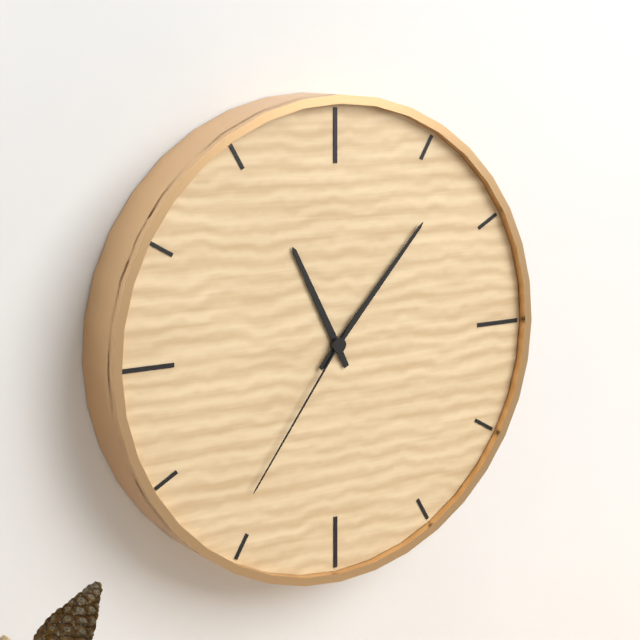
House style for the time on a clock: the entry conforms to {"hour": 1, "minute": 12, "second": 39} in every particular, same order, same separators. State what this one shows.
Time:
{"hour": 11, "minute": 7, "second": 36}
